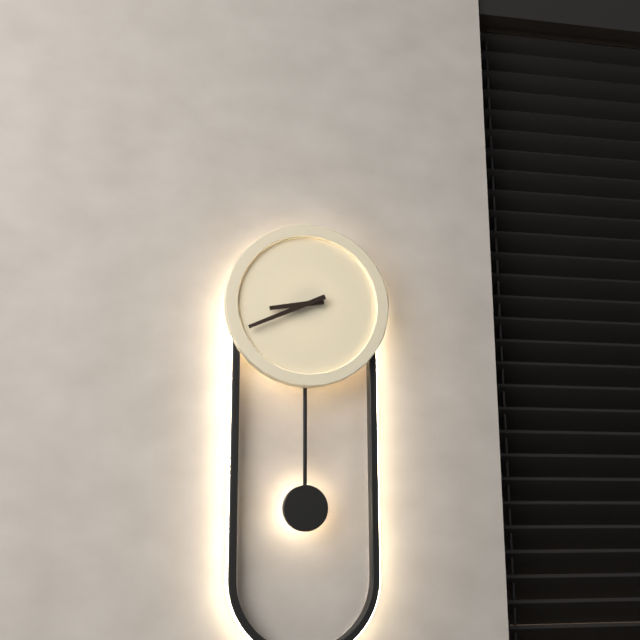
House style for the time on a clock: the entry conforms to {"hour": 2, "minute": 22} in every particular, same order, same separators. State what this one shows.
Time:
{"hour": 8, "minute": 41}
